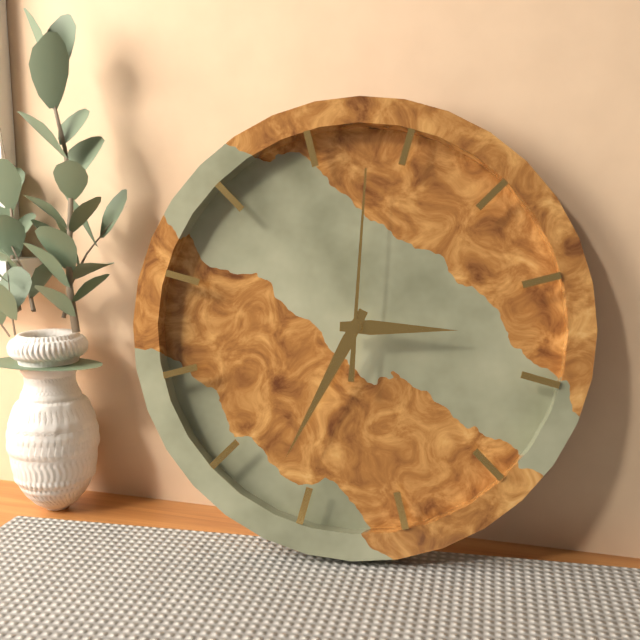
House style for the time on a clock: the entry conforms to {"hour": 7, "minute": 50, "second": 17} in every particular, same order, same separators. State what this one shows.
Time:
{"hour": 2, "minute": 32, "second": 58}
